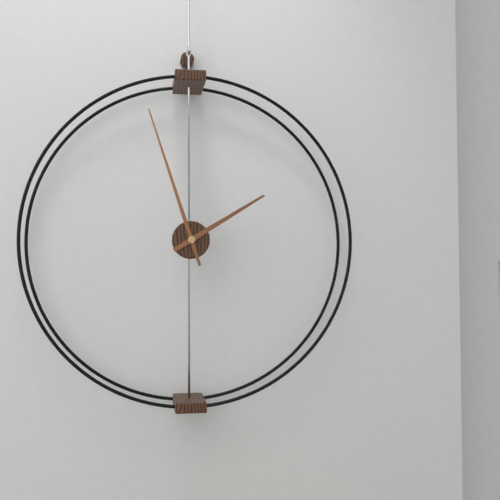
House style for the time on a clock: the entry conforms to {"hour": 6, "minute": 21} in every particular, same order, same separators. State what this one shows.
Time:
{"hour": 1, "minute": 57}
